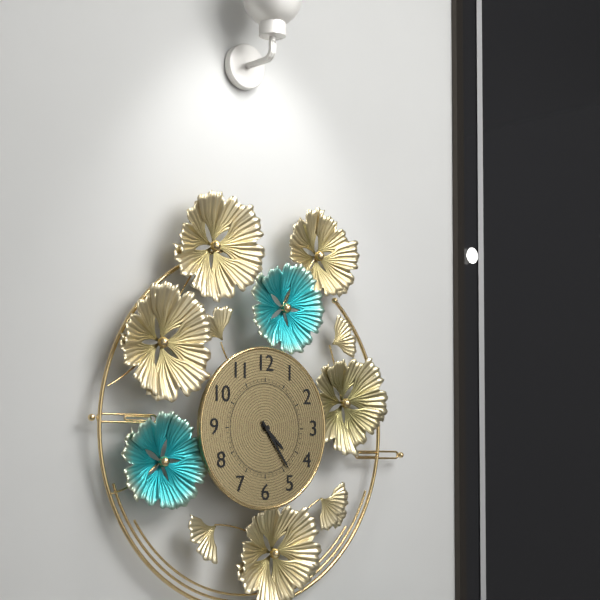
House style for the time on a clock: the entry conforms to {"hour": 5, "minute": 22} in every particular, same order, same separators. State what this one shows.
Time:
{"hour": 4, "minute": 24}
